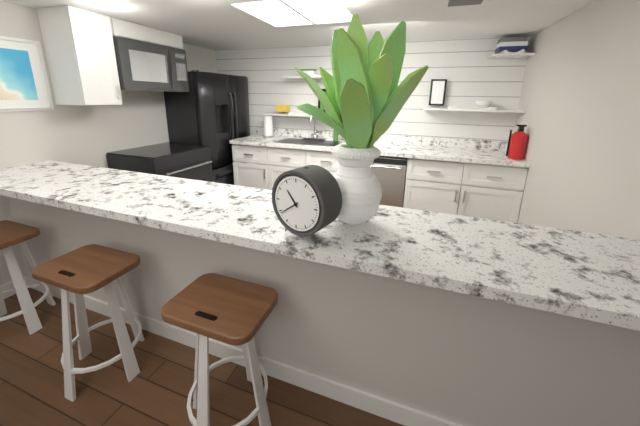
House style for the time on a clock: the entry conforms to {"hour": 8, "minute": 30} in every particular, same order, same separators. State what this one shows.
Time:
{"hour": 10, "minute": 39}
